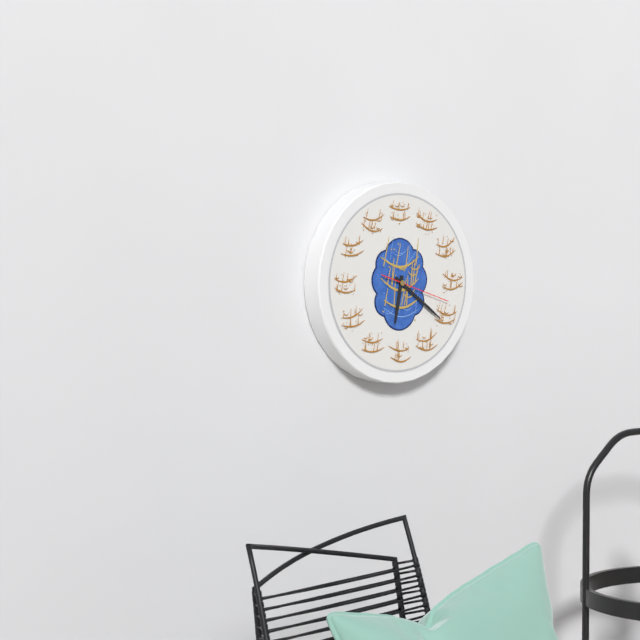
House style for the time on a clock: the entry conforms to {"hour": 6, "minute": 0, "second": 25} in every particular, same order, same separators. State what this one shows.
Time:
{"hour": 6, "minute": 21, "second": 18}
